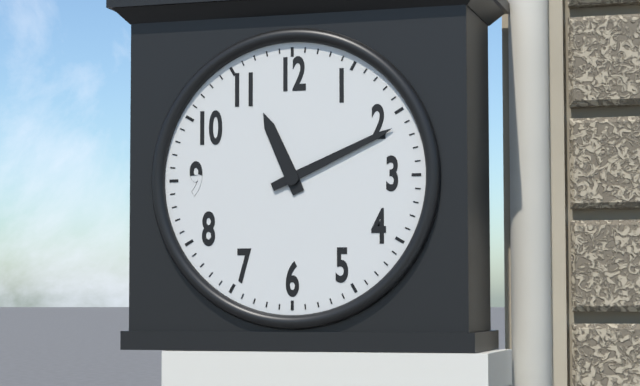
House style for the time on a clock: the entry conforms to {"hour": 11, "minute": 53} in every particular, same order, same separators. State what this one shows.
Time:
{"hour": 11, "minute": 11}
